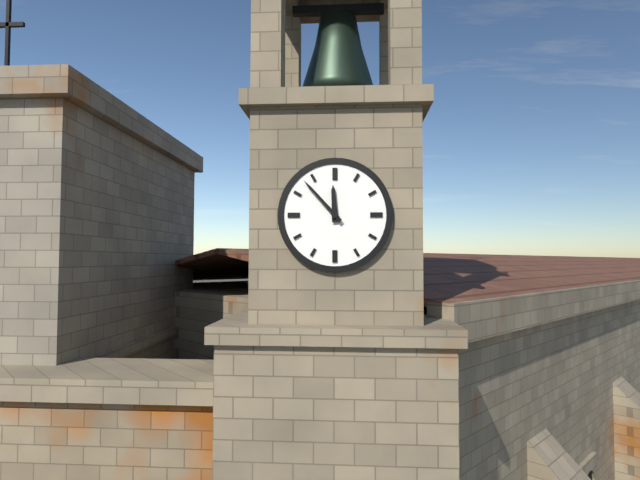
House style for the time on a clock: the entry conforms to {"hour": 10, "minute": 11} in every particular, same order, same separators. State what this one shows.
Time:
{"hour": 11, "minute": 53}
